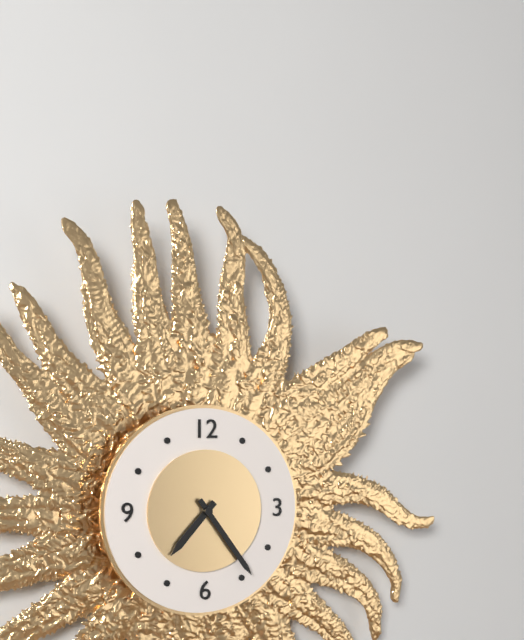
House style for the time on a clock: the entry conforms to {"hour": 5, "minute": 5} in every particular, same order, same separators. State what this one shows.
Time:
{"hour": 7, "minute": 24}
